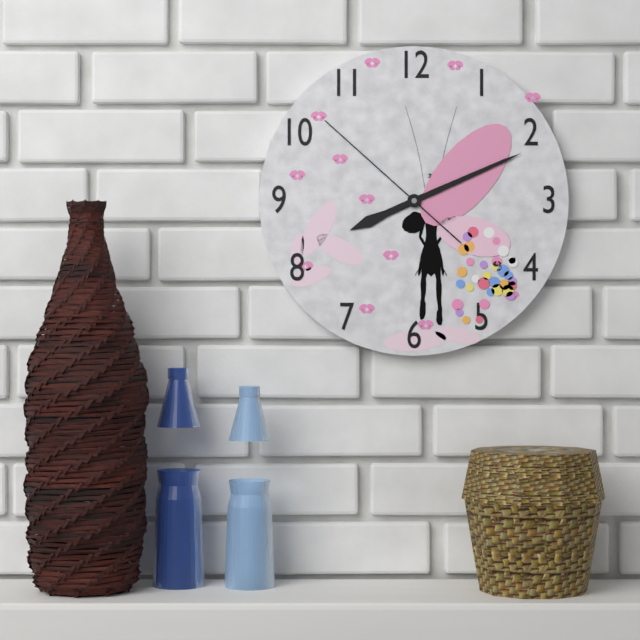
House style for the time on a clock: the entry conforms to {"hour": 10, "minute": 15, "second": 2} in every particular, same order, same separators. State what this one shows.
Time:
{"hour": 8, "minute": 11, "second": 52}
